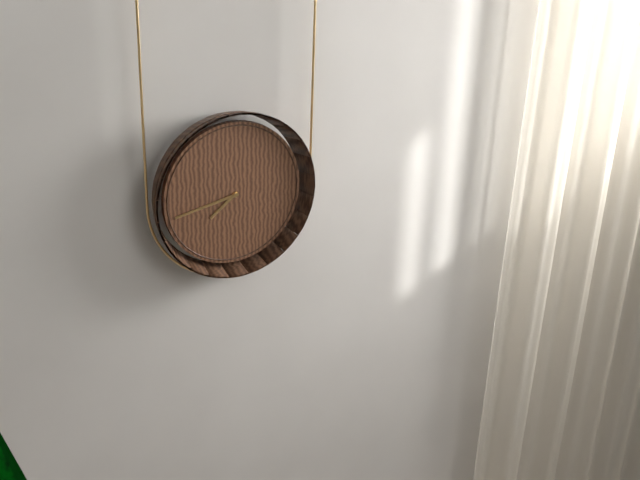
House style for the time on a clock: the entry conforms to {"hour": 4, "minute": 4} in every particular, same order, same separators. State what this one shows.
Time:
{"hour": 7, "minute": 43}
